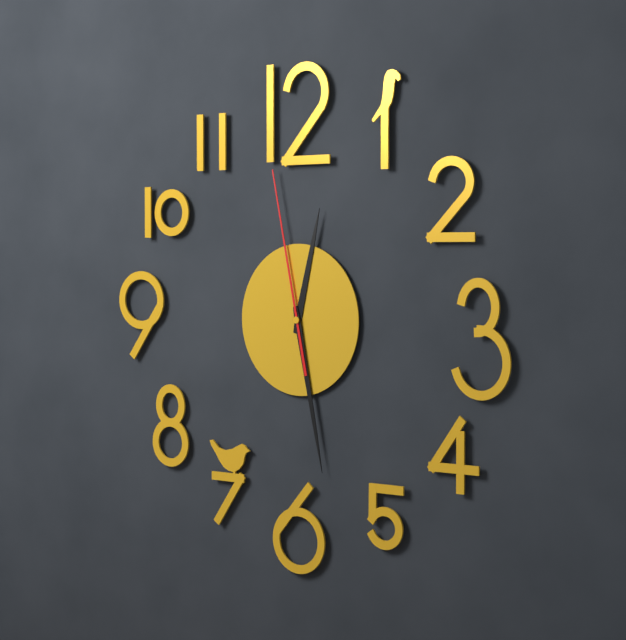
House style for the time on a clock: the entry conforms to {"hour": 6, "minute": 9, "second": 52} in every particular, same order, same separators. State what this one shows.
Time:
{"hour": 12, "minute": 28, "second": 58}
